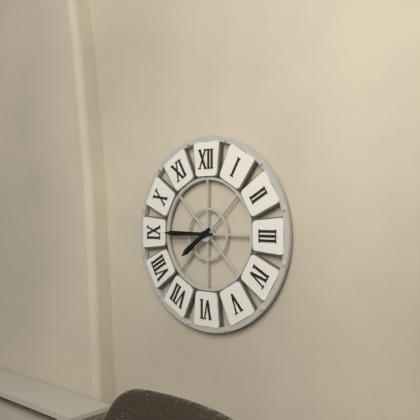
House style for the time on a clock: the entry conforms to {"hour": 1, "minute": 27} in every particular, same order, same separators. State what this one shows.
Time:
{"hour": 7, "minute": 45}
